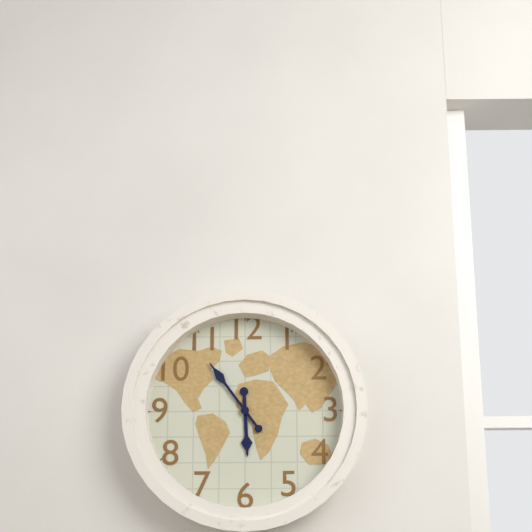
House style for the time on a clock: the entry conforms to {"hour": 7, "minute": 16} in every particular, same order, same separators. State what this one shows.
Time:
{"hour": 5, "minute": 54}
